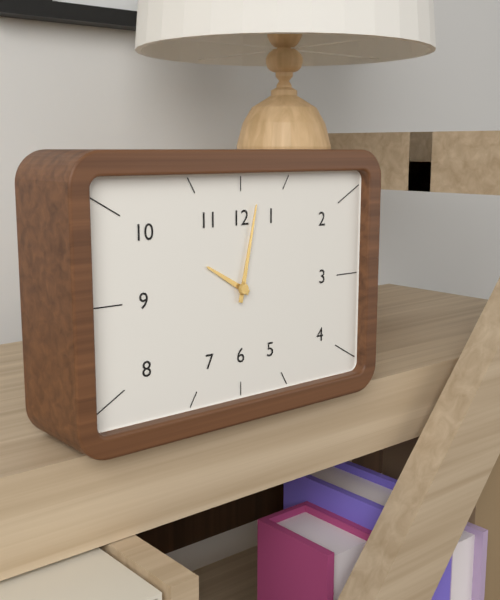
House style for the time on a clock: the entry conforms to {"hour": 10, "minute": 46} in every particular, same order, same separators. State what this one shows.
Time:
{"hour": 10, "minute": 2}
